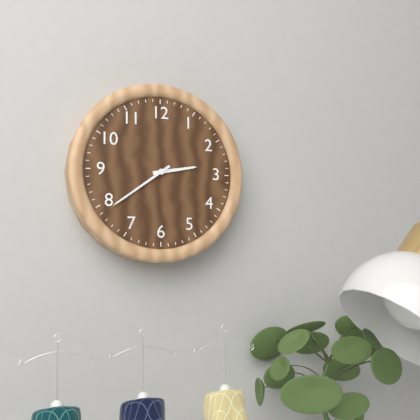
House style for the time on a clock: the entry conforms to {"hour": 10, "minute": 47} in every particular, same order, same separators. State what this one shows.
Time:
{"hour": 2, "minute": 39}
